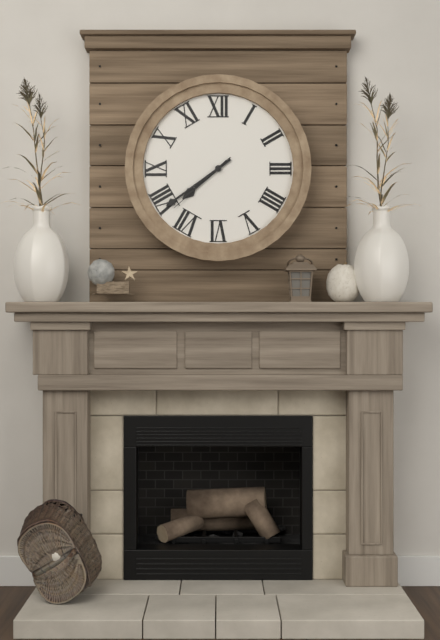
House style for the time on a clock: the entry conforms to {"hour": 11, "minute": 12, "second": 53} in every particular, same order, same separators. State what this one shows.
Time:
{"hour": 7, "minute": 39, "second": 38}
